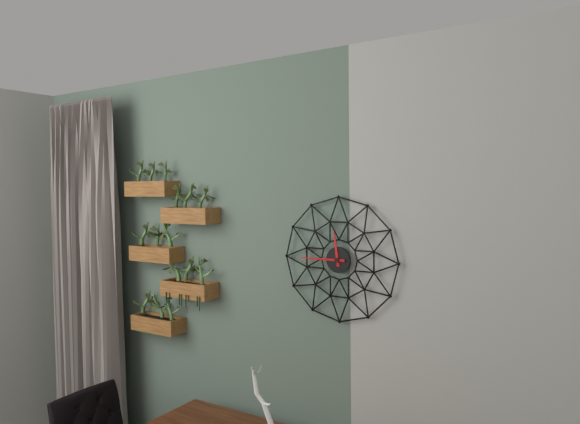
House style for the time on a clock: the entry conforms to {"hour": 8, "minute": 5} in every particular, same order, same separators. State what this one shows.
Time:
{"hour": 11, "minute": 45}
